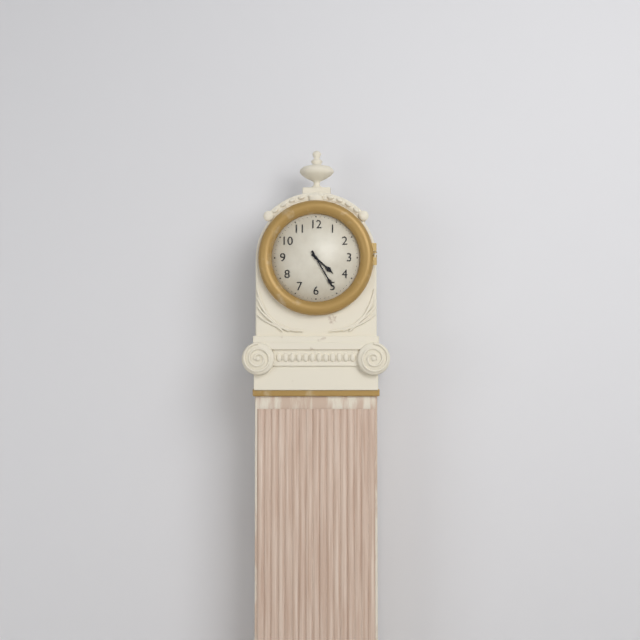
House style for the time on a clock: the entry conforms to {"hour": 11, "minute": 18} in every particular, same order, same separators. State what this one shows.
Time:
{"hour": 4, "minute": 25}
